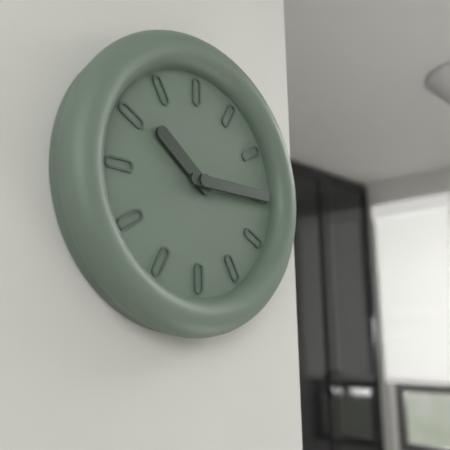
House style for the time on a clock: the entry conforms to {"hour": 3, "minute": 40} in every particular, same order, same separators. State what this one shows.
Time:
{"hour": 10, "minute": 15}
